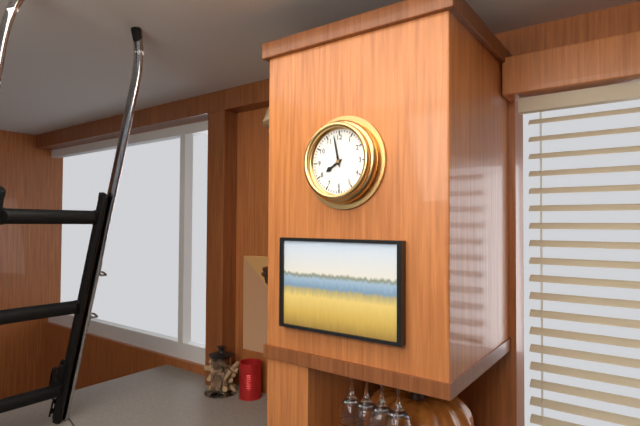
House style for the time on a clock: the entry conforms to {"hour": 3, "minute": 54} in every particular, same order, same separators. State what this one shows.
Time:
{"hour": 7, "minute": 58}
